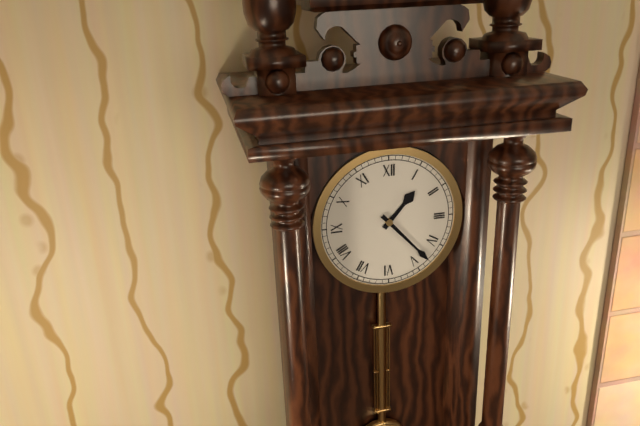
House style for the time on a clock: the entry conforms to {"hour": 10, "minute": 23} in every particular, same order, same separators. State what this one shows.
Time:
{"hour": 1, "minute": 23}
